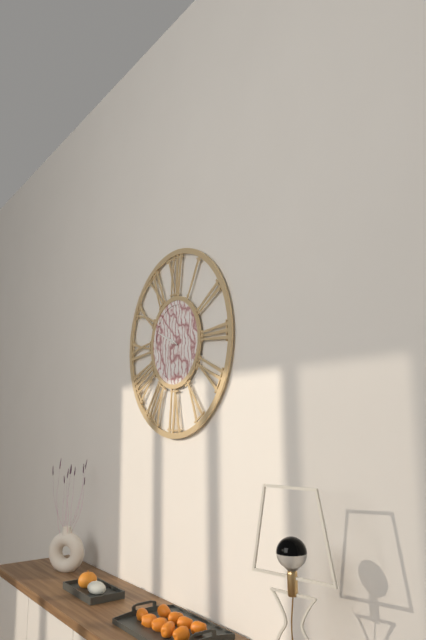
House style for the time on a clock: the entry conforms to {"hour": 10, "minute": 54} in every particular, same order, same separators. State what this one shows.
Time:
{"hour": 9, "minute": 49}
